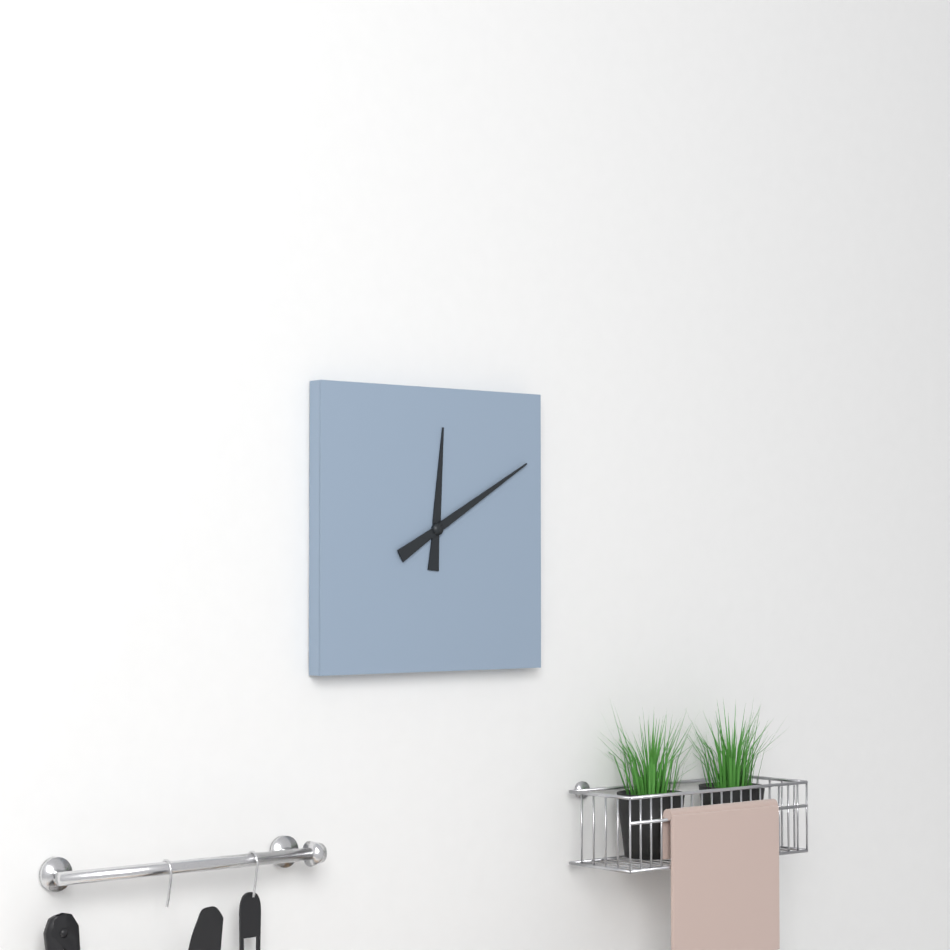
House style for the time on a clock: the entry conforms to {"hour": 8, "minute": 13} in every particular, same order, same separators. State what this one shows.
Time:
{"hour": 12, "minute": 10}
